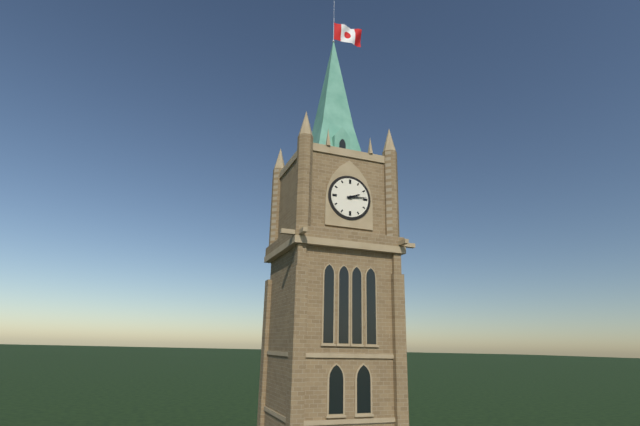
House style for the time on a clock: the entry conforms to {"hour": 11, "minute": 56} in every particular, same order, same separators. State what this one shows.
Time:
{"hour": 2, "minute": 14}
